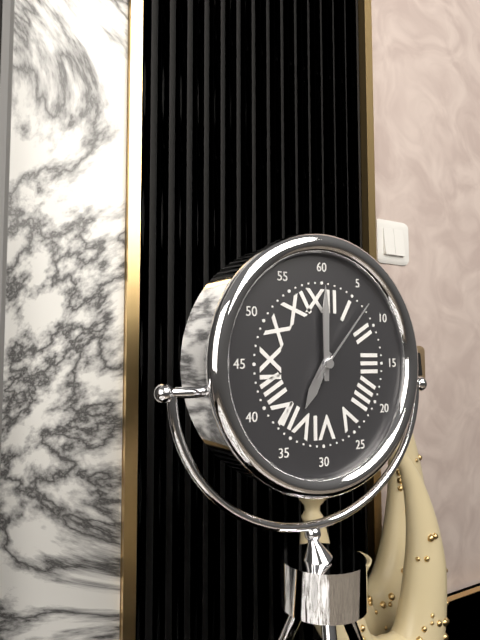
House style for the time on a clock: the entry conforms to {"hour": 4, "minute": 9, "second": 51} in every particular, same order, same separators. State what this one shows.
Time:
{"hour": 7, "minute": 0, "second": 7}
